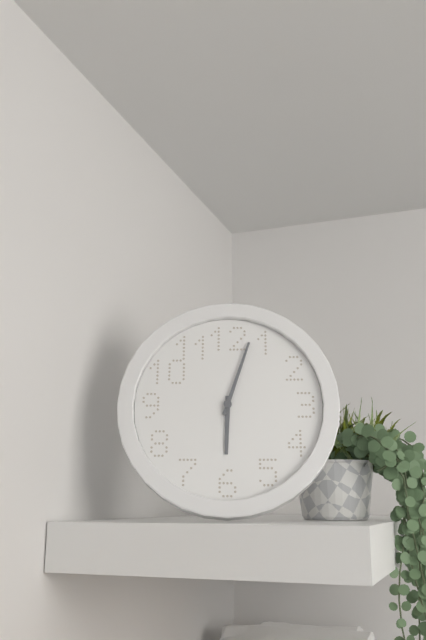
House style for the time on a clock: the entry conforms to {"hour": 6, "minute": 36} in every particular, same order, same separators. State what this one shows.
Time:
{"hour": 6, "minute": 3}
